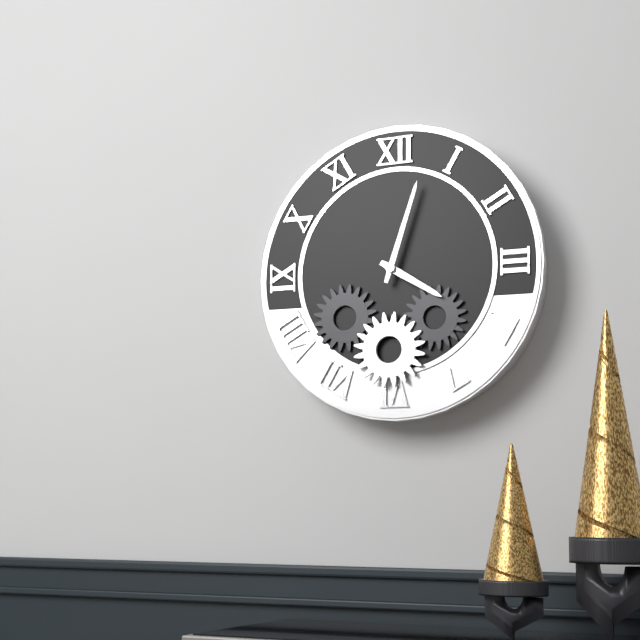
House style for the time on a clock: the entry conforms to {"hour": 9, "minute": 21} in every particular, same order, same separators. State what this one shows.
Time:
{"hour": 4, "minute": 3}
